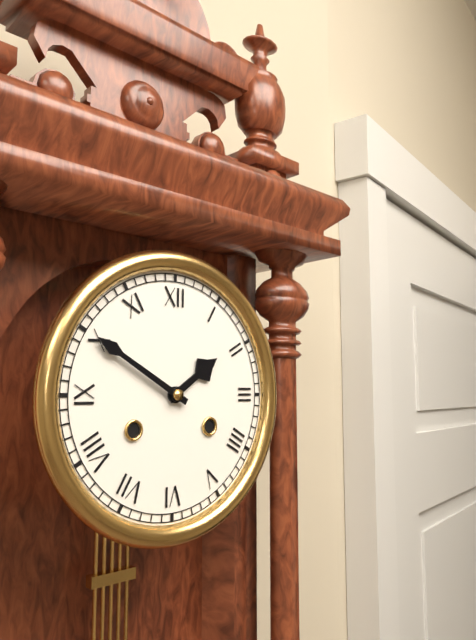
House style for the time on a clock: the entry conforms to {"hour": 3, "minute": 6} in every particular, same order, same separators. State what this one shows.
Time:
{"hour": 1, "minute": 50}
